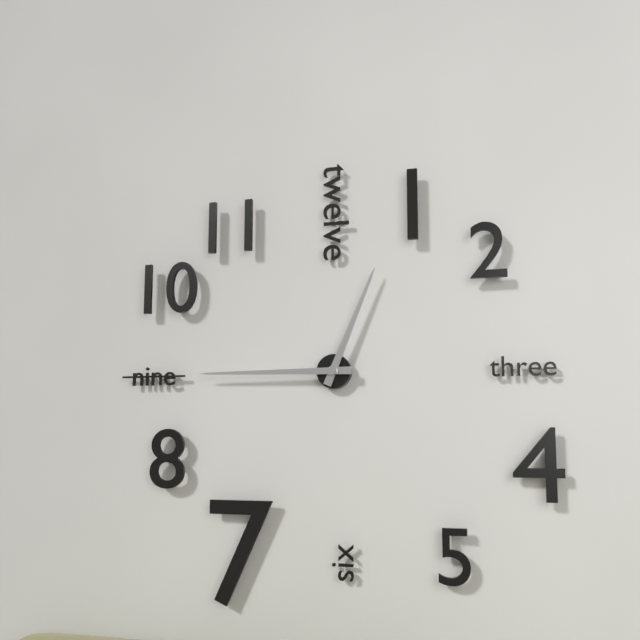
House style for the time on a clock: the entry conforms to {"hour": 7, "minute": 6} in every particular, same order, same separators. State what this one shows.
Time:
{"hour": 12, "minute": 45}
